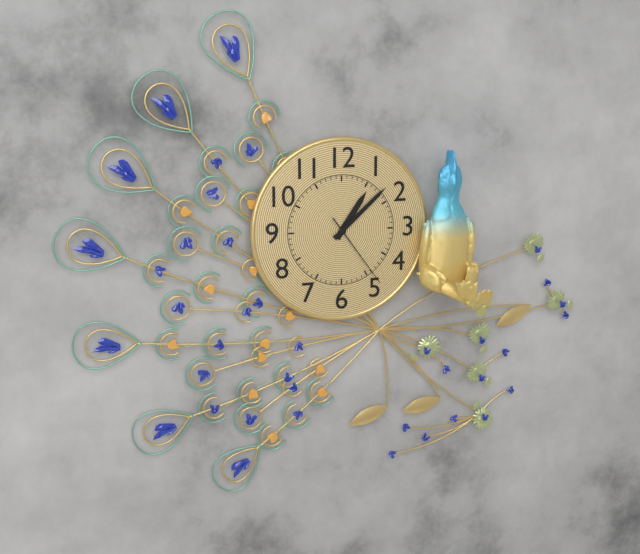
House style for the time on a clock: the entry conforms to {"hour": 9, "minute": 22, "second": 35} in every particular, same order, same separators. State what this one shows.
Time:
{"hour": 1, "minute": 8, "second": 24}
